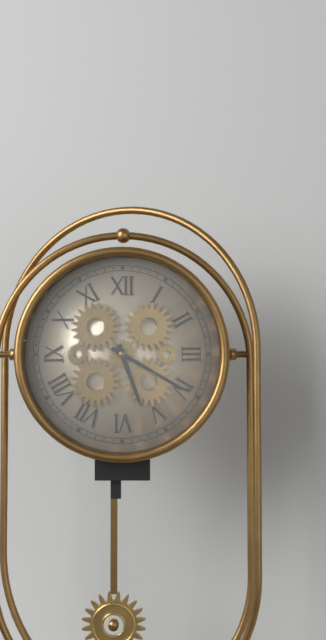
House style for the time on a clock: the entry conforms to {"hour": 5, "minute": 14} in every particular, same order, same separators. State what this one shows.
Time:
{"hour": 5, "minute": 20}
